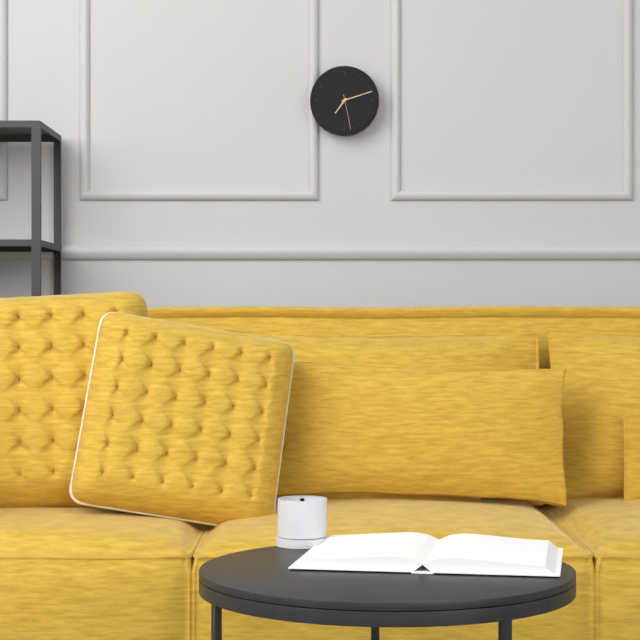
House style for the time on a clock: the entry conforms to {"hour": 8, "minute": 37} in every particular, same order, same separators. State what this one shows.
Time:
{"hour": 7, "minute": 12}
